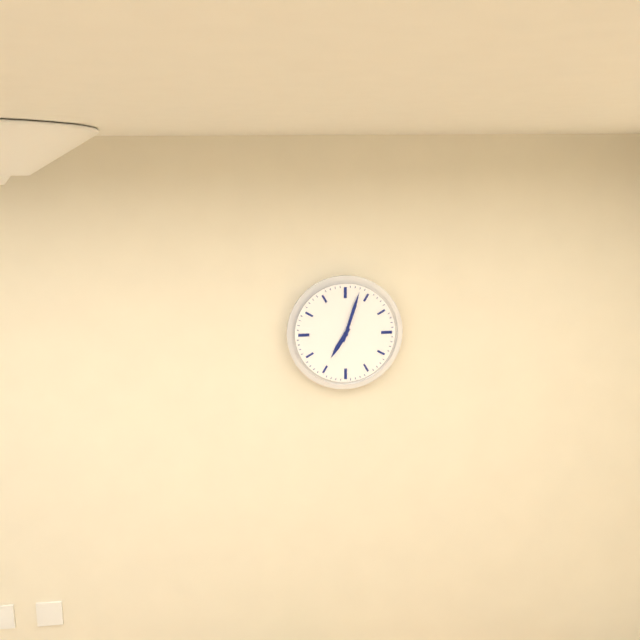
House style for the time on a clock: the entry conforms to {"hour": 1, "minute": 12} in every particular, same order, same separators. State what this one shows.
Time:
{"hour": 7, "minute": 3}
